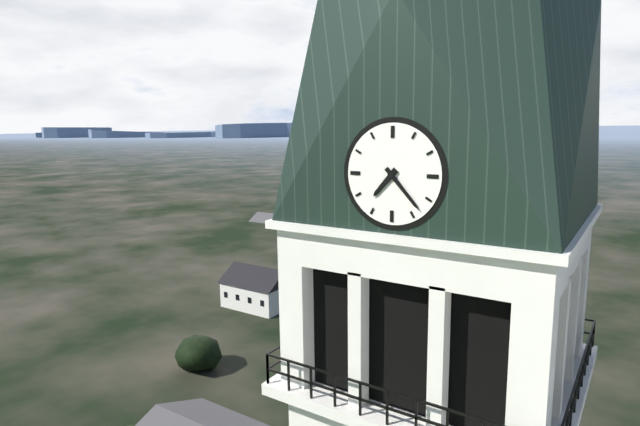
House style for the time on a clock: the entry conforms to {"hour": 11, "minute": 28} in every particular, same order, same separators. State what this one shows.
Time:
{"hour": 7, "minute": 23}
